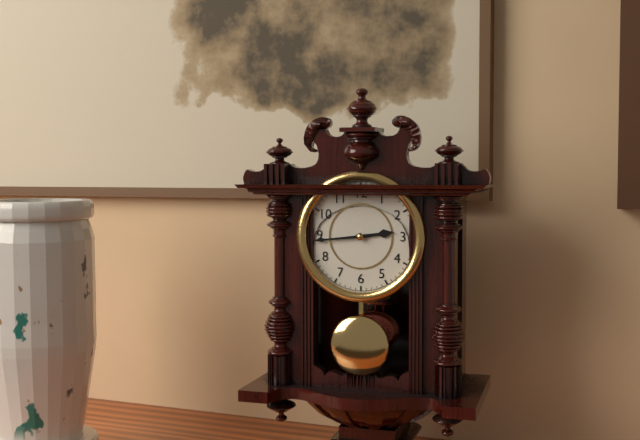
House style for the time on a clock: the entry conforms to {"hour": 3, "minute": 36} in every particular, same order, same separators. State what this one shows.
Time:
{"hour": 2, "minute": 44}
